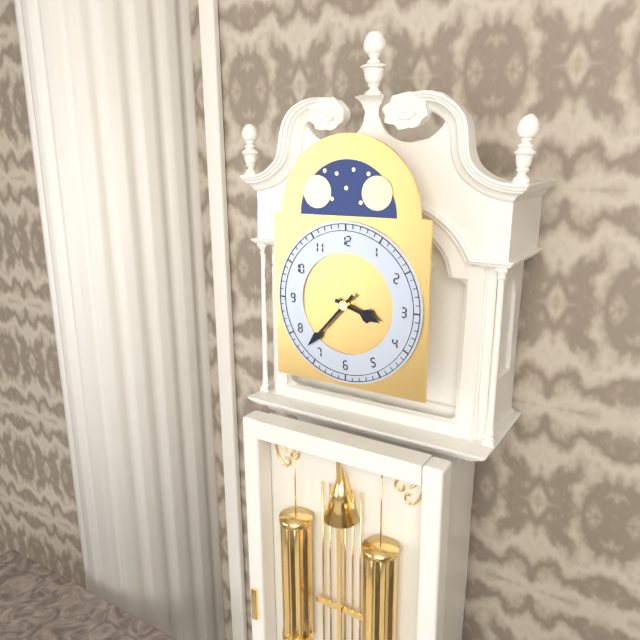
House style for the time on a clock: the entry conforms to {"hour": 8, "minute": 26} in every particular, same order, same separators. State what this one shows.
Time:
{"hour": 3, "minute": 37}
